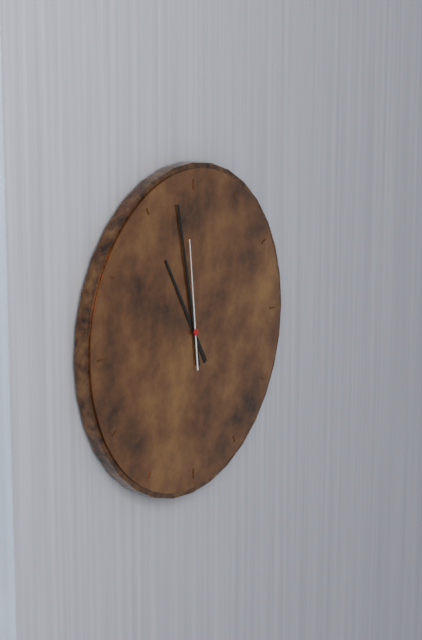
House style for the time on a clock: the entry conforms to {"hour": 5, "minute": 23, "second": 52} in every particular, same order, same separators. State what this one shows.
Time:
{"hour": 10, "minute": 58, "second": 59}
